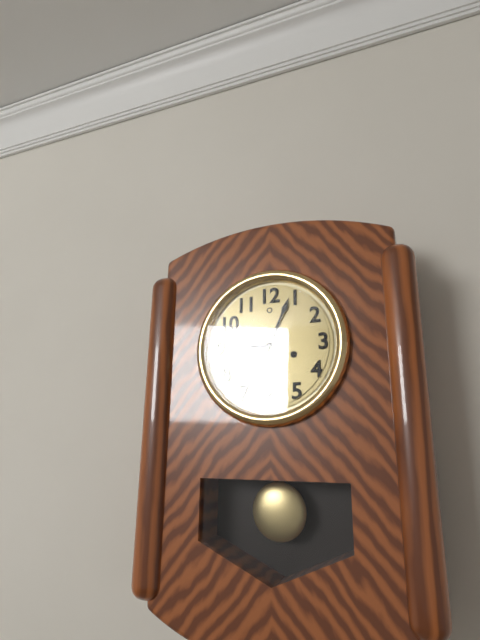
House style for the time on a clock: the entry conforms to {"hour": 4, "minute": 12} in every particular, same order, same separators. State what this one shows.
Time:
{"hour": 9, "minute": 4}
